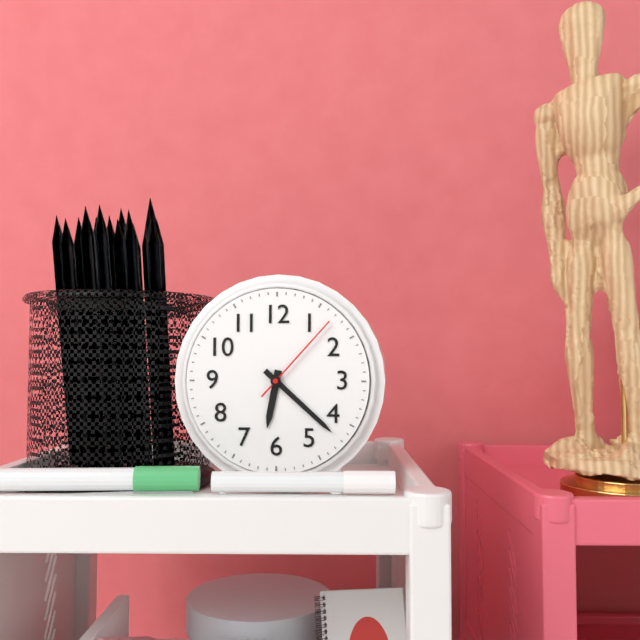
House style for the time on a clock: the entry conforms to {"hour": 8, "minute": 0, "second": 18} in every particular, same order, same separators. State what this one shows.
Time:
{"hour": 6, "minute": 22, "second": 7}
